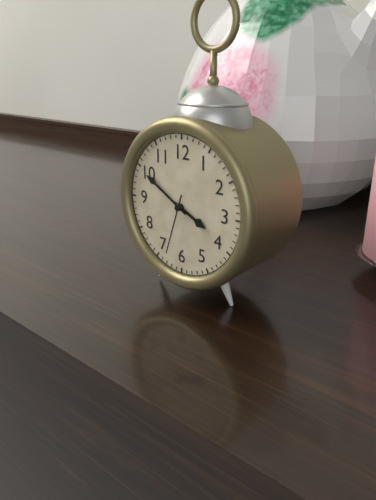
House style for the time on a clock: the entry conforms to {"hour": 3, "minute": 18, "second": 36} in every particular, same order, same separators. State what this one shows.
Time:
{"hour": 3, "minute": 50, "second": 33}
